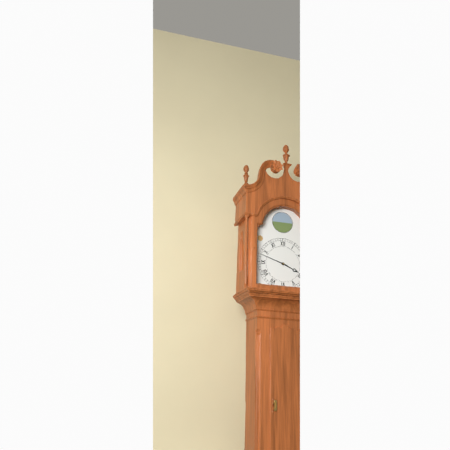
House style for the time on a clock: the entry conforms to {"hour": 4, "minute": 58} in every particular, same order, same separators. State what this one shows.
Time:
{"hour": 3, "minute": 48}
